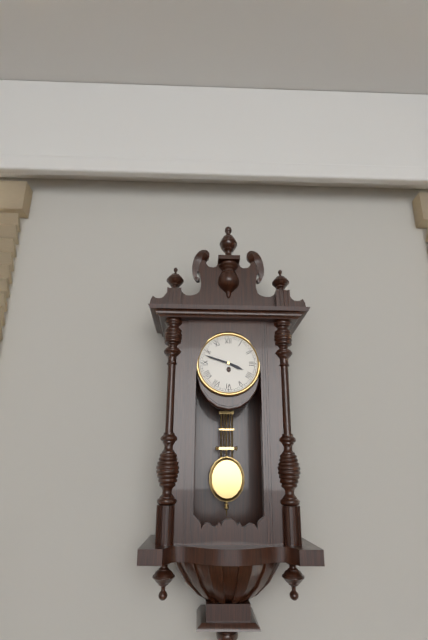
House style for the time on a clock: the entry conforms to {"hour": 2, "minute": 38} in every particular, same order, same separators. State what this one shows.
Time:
{"hour": 3, "minute": 48}
